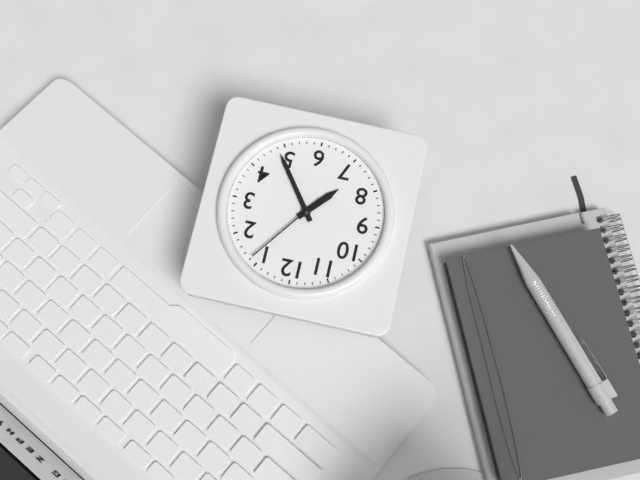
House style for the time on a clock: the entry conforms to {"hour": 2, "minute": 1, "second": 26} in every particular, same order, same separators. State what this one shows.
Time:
{"hour": 7, "minute": 24, "second": 6}
